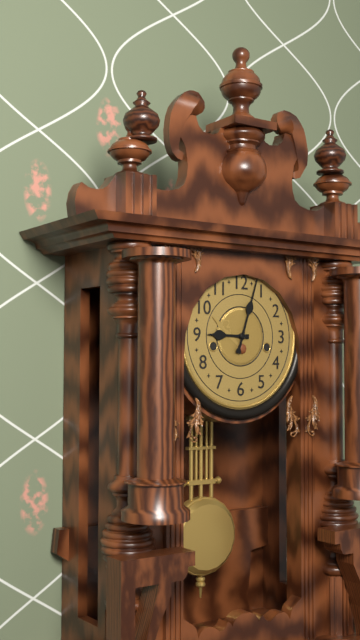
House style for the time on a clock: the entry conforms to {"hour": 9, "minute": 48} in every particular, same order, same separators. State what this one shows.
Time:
{"hour": 9, "minute": 3}
